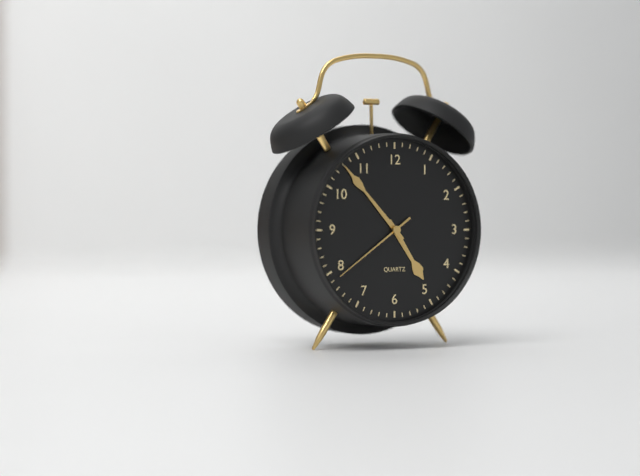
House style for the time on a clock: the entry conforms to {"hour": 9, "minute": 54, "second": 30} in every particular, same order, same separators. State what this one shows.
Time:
{"hour": 4, "minute": 53, "second": 39}
